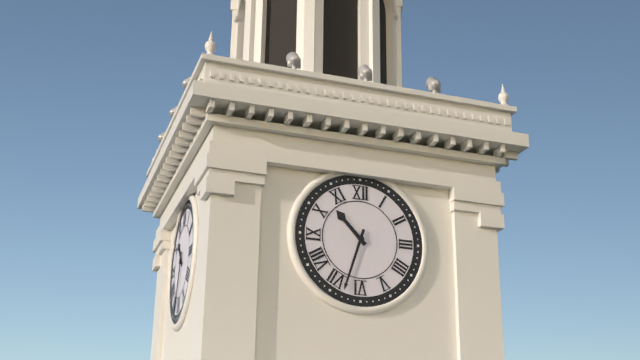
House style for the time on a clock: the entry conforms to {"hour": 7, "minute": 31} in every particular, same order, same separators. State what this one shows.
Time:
{"hour": 10, "minute": 33}
